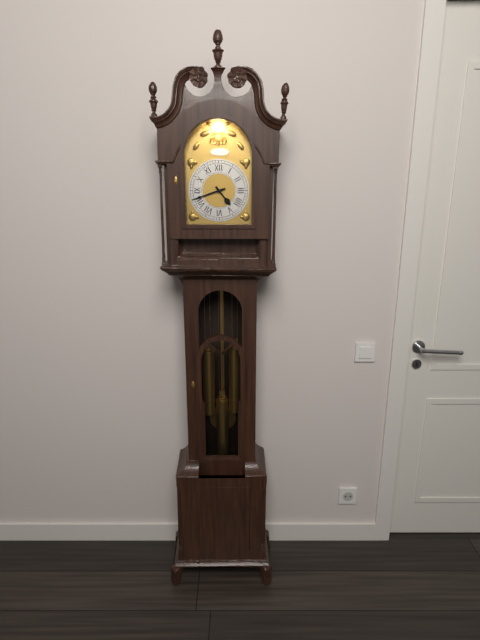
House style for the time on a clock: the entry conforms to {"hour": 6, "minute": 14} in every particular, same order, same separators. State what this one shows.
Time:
{"hour": 4, "minute": 42}
